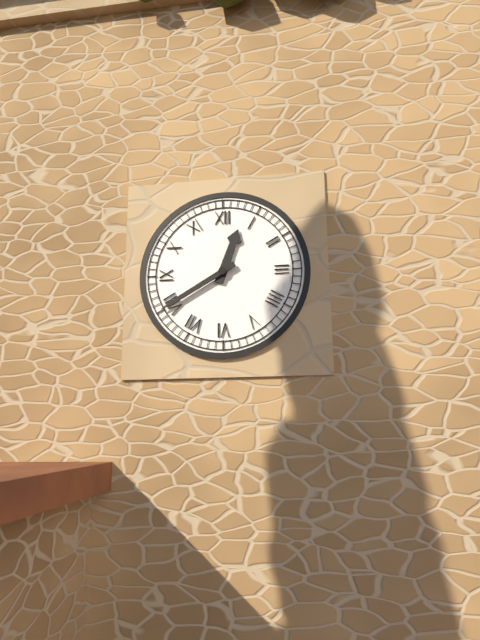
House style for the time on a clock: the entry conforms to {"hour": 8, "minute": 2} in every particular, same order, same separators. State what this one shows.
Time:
{"hour": 12, "minute": 40}
